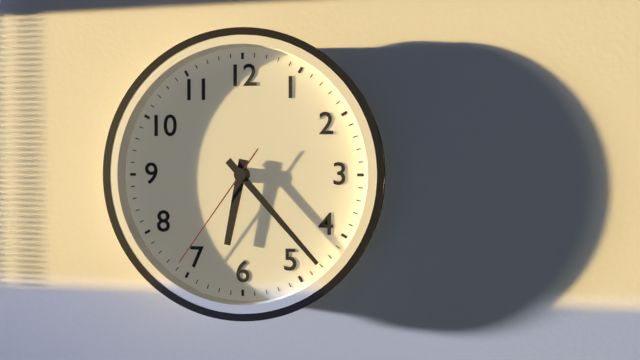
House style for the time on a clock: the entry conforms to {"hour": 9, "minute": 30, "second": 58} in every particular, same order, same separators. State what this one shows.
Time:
{"hour": 6, "minute": 23, "second": 36}
